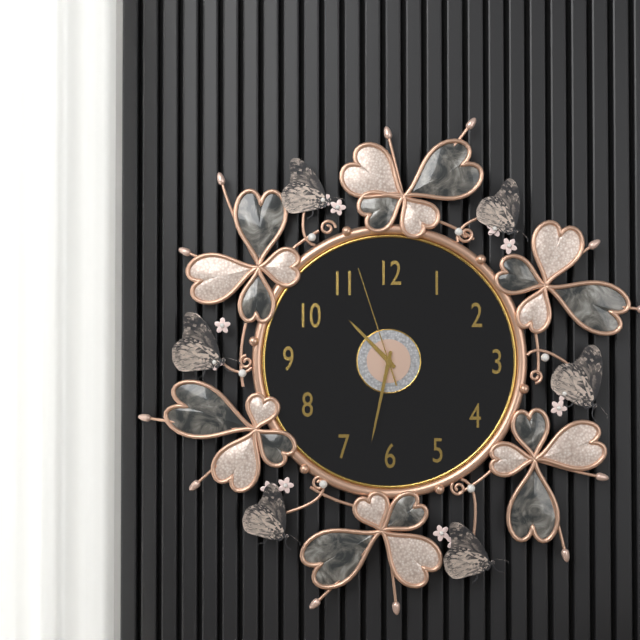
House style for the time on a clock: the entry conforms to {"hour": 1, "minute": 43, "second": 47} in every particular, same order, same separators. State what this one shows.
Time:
{"hour": 10, "minute": 32, "second": 57}
